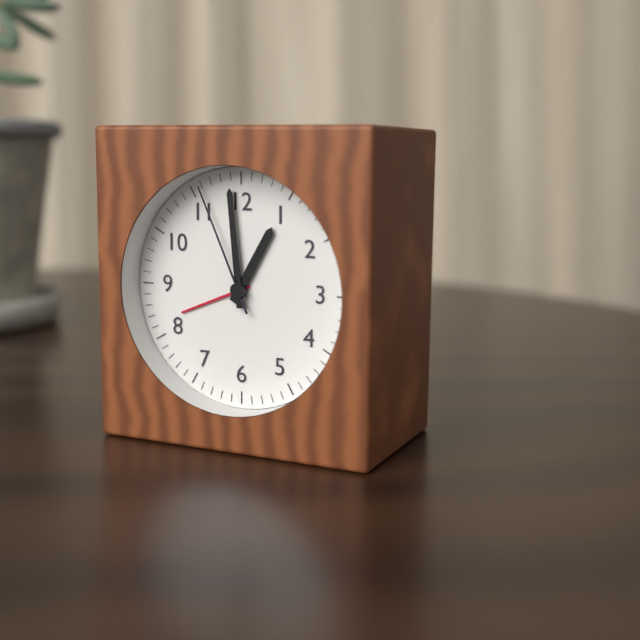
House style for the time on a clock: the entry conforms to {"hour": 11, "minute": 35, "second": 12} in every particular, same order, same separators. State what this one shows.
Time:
{"hour": 12, "minute": 59, "second": 56}
